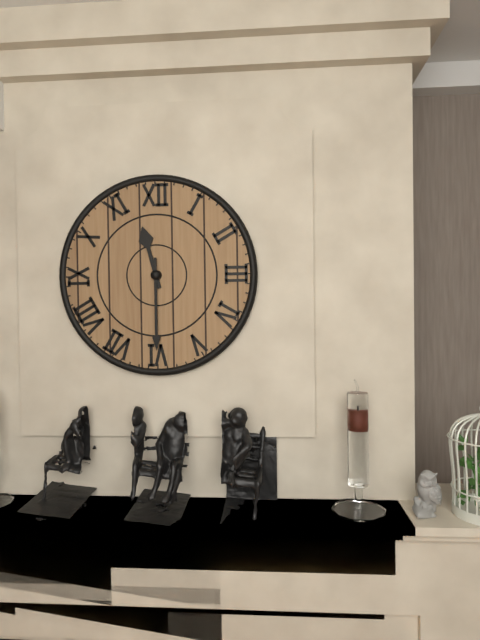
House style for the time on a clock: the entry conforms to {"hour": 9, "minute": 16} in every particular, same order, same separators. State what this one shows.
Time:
{"hour": 11, "minute": 30}
